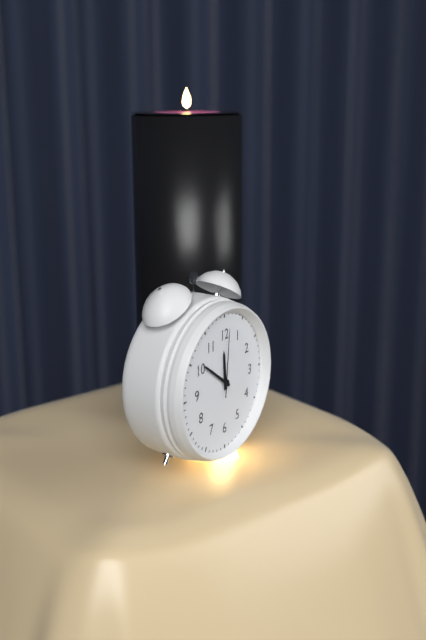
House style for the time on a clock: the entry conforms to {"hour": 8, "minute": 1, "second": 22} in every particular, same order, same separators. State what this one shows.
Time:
{"hour": 11, "minute": 51, "second": 1}
